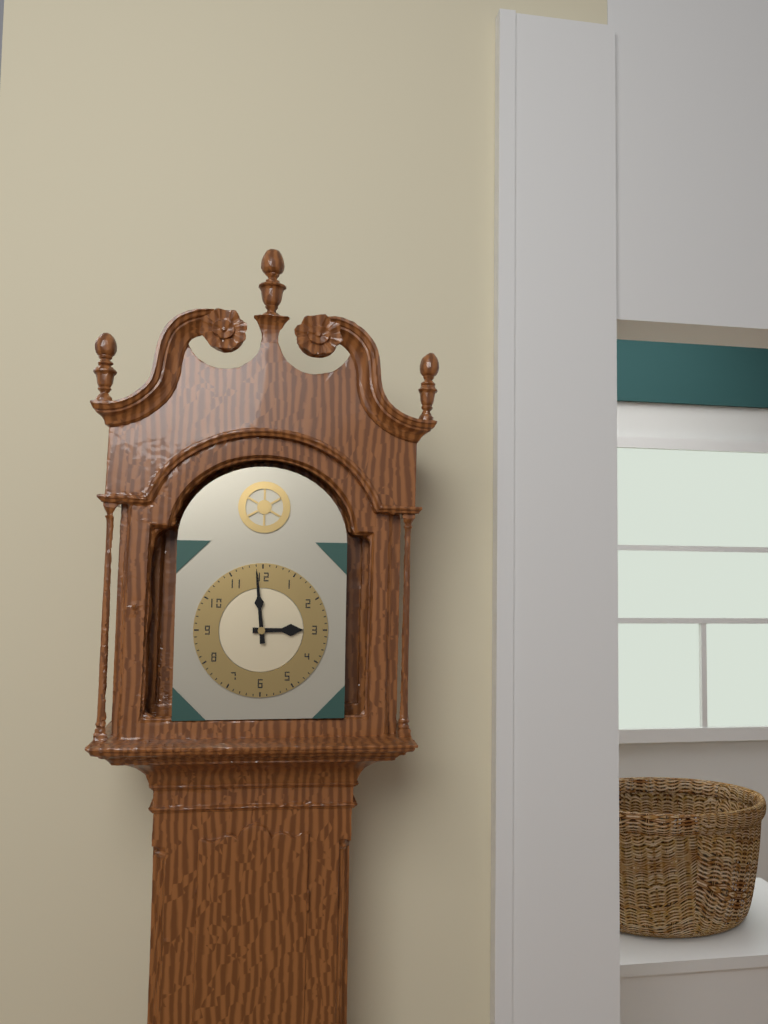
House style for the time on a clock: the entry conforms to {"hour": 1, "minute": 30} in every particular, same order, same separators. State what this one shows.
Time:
{"hour": 2, "minute": 59}
